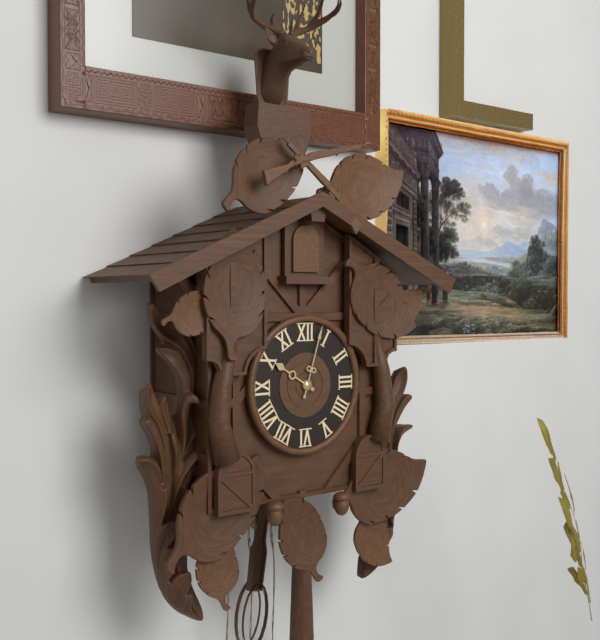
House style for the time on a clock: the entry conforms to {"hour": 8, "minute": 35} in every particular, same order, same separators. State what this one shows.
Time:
{"hour": 10, "minute": 3}
